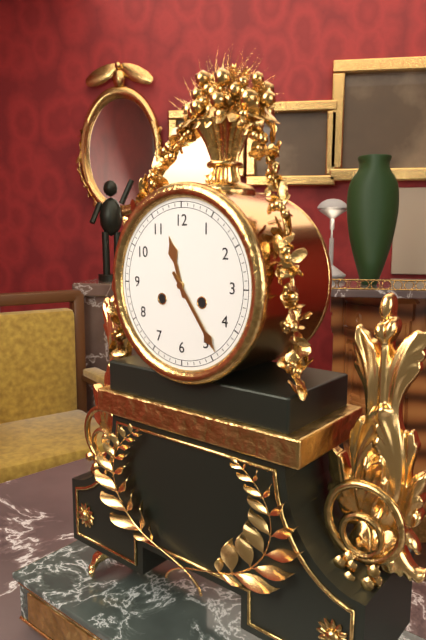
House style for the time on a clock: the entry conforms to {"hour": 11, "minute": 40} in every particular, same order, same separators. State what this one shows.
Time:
{"hour": 11, "minute": 24}
